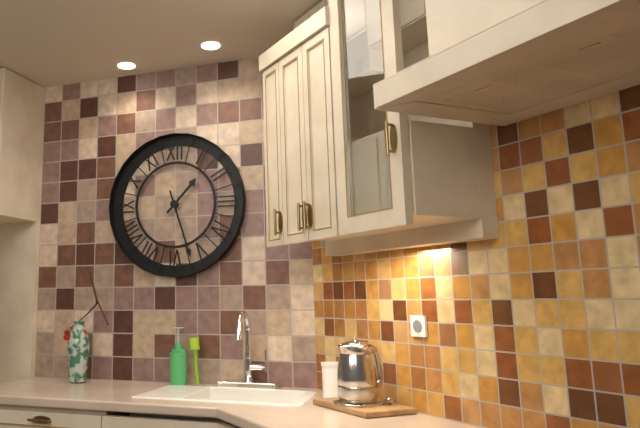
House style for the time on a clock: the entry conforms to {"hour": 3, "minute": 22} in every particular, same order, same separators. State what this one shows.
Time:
{"hour": 1, "minute": 27}
